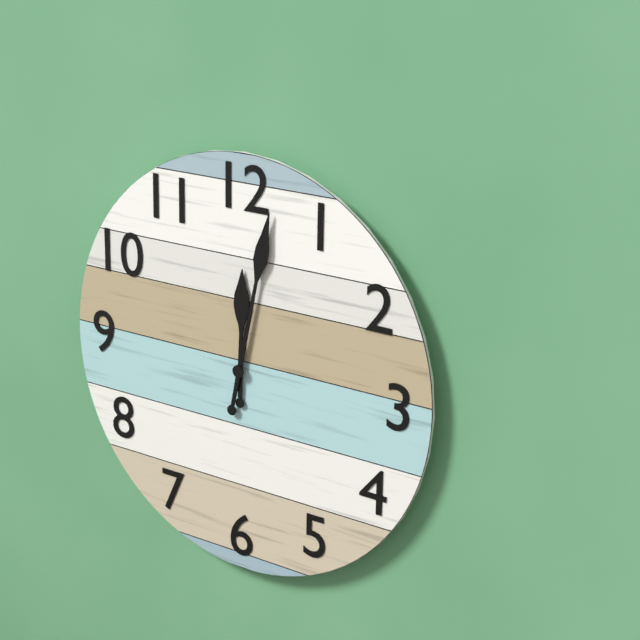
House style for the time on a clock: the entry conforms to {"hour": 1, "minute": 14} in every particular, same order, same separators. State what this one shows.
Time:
{"hour": 12, "minute": 2}
